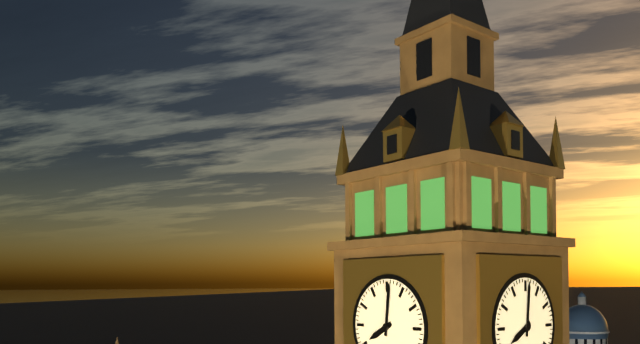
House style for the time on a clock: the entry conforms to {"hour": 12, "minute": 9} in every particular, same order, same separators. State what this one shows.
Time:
{"hour": 8, "minute": 1}
